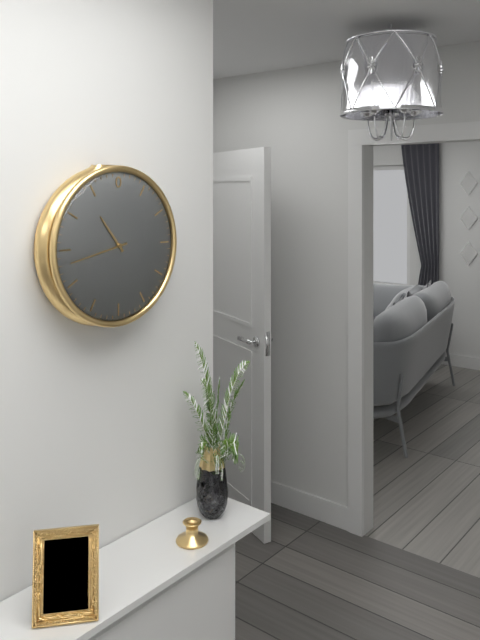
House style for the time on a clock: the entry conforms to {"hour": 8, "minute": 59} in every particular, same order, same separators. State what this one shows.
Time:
{"hour": 10, "minute": 43}
